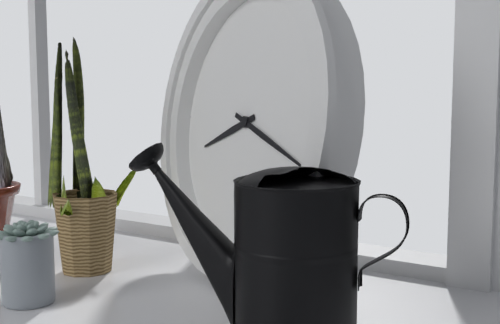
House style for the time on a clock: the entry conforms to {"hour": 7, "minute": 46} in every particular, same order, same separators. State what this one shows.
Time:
{"hour": 8, "minute": 18}
